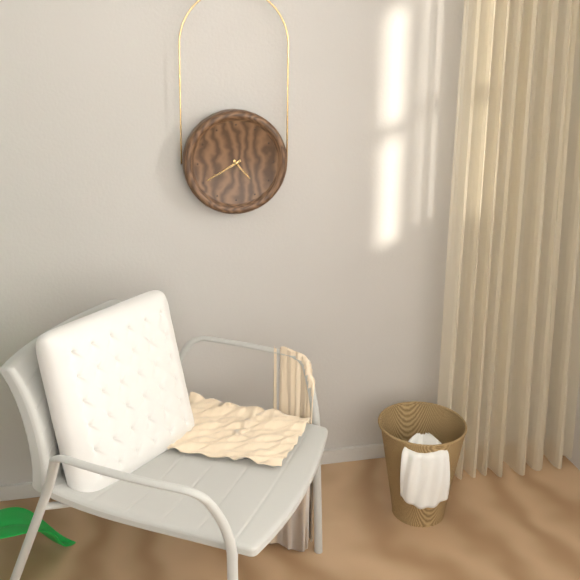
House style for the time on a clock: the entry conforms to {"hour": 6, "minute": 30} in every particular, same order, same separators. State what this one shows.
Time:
{"hour": 4, "minute": 40}
